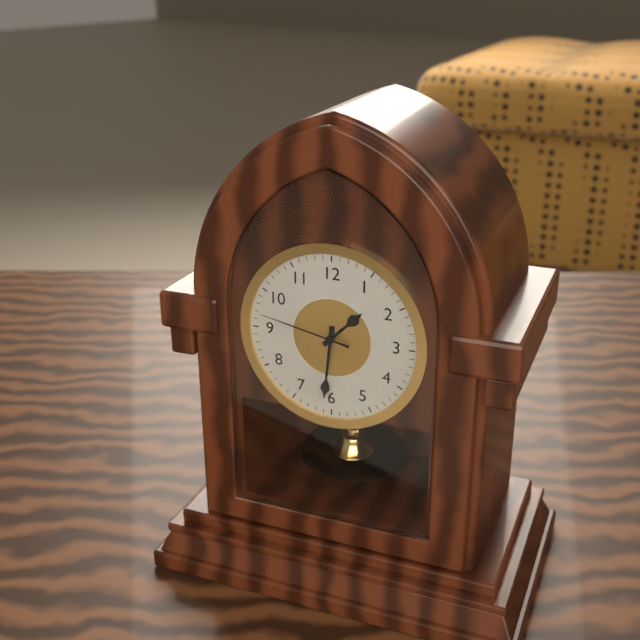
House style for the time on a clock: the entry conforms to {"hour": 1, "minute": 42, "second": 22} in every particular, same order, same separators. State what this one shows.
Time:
{"hour": 1, "minute": 31, "second": 47}
